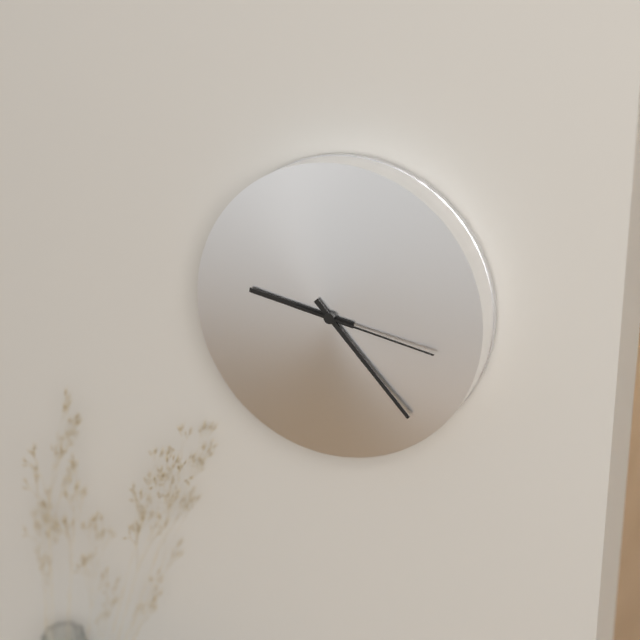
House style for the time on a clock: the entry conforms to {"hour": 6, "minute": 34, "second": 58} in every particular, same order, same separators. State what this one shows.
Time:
{"hour": 9, "minute": 23, "second": 17}
